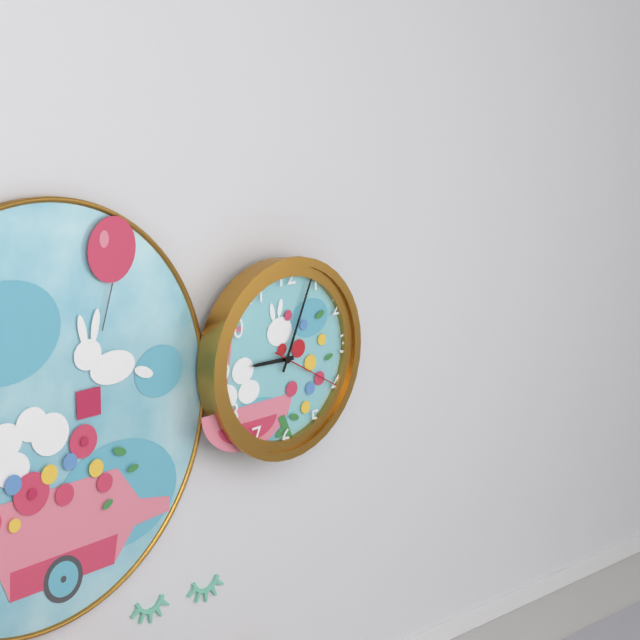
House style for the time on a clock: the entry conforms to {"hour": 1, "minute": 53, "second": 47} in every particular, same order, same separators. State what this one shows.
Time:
{"hour": 9, "minute": 4, "second": 20}
